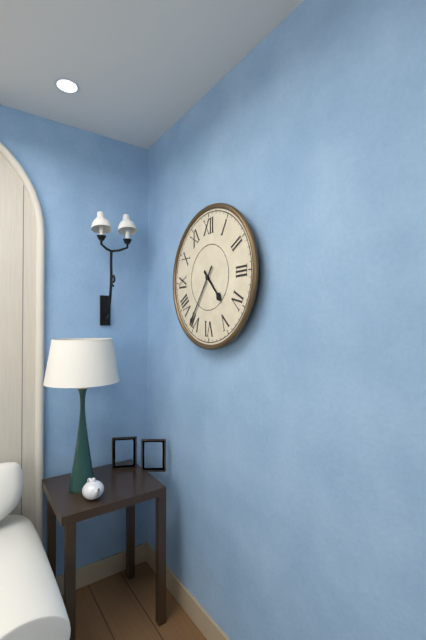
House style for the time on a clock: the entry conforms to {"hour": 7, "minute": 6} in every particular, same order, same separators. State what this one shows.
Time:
{"hour": 4, "minute": 36}
